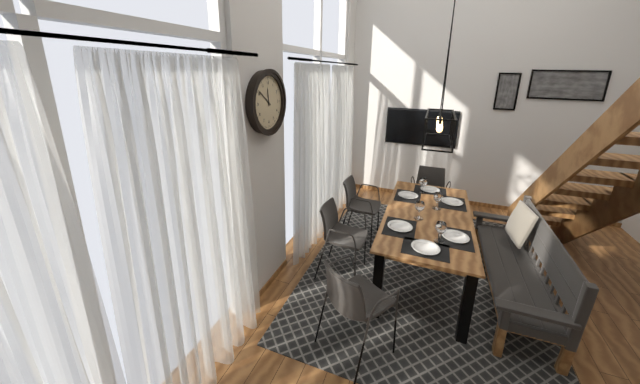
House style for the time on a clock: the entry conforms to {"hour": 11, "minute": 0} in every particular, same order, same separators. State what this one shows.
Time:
{"hour": 11, "minute": 51}
